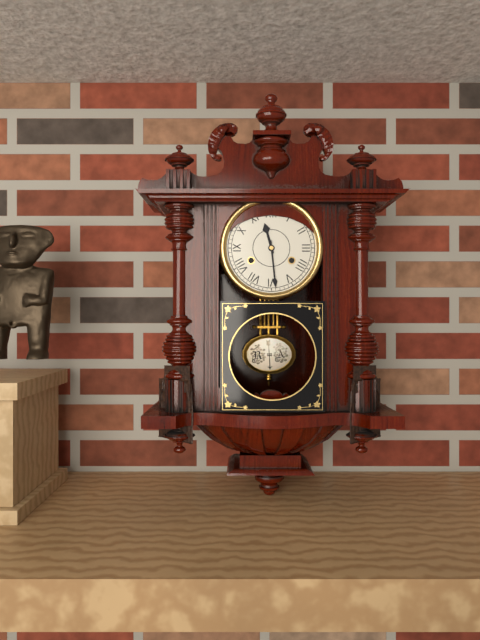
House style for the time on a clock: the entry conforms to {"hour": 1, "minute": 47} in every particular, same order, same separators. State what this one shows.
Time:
{"hour": 11, "minute": 29}
